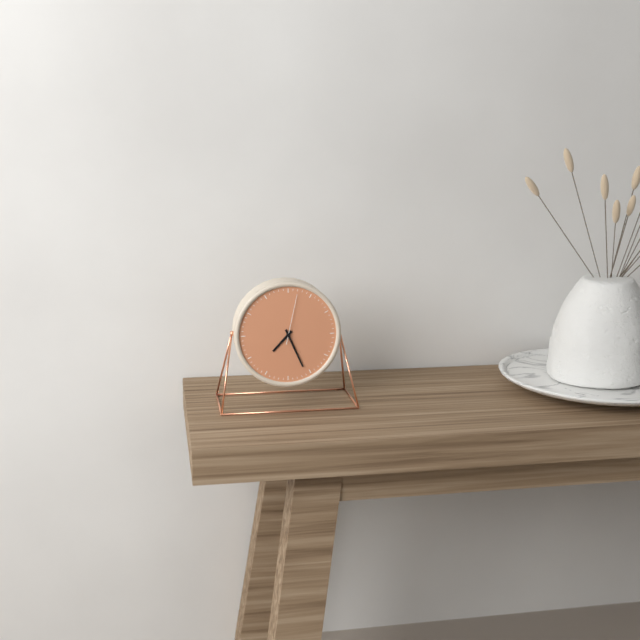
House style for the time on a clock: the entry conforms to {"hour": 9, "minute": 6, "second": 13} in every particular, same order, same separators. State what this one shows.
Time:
{"hour": 7, "minute": 26, "second": 2}
